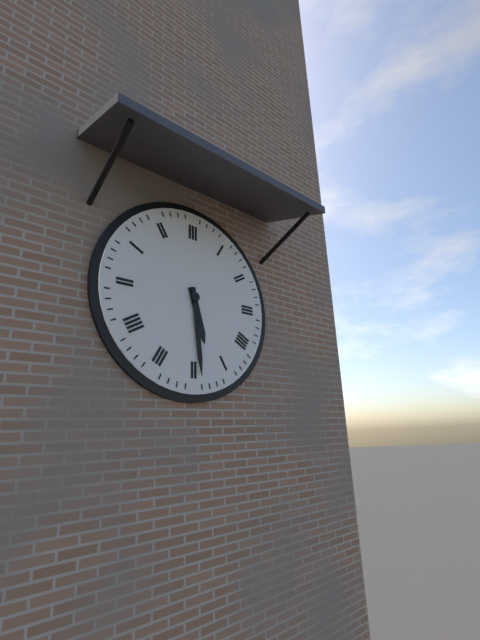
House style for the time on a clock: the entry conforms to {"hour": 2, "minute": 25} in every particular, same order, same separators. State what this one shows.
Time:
{"hour": 5, "minute": 29}
